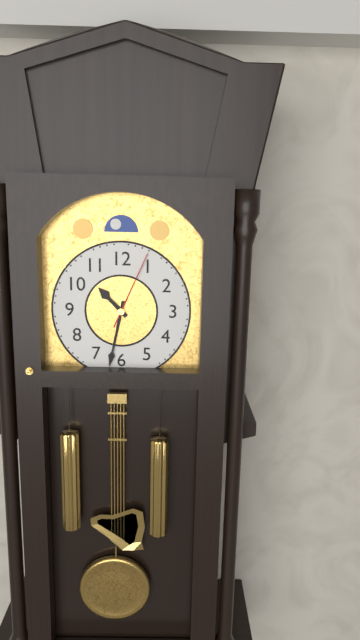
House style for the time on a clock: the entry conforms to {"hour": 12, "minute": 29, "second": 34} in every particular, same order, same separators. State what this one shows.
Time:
{"hour": 10, "minute": 32, "second": 4}
